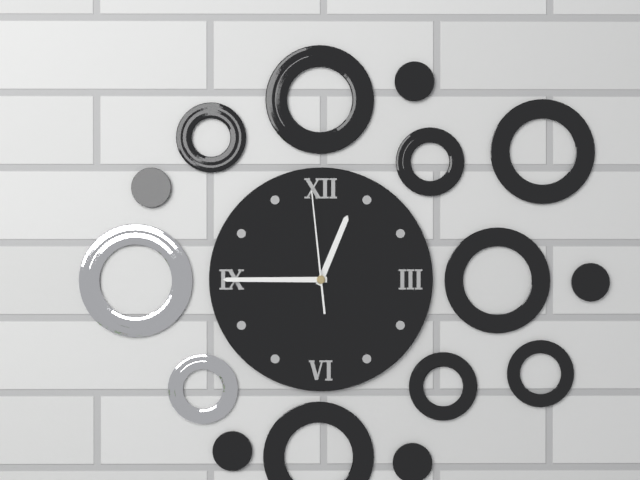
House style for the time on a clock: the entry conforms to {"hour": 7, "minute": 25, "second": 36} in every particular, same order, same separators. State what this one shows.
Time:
{"hour": 12, "minute": 45, "second": 59}
